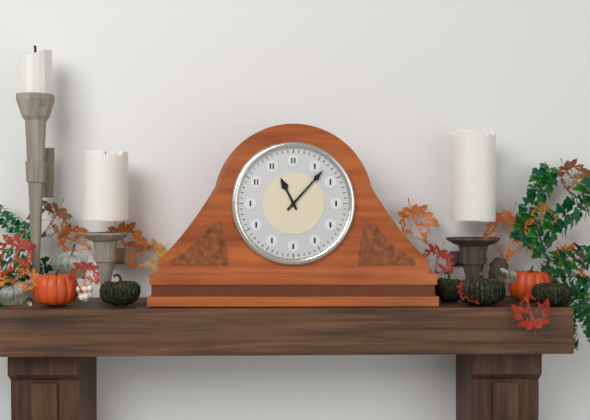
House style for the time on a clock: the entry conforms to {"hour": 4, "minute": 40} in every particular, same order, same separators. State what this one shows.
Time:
{"hour": 11, "minute": 7}
